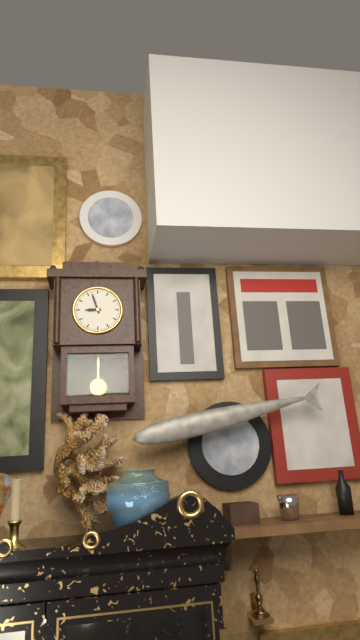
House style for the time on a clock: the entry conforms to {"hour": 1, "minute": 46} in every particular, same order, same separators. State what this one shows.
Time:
{"hour": 8, "minute": 57}
